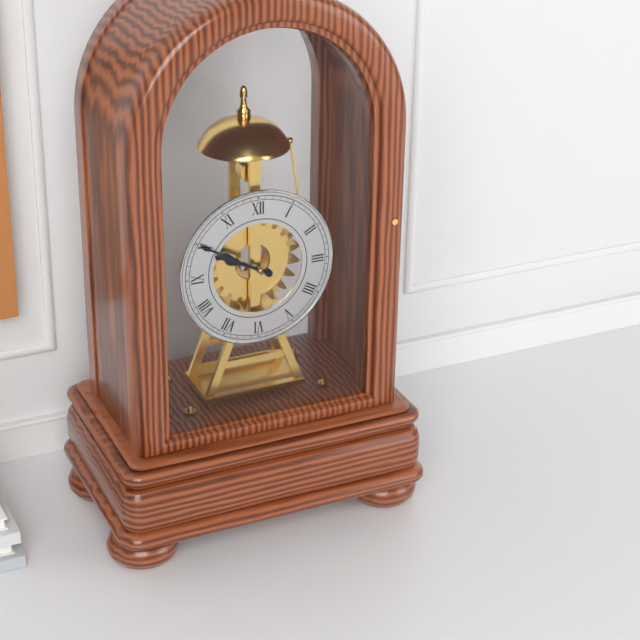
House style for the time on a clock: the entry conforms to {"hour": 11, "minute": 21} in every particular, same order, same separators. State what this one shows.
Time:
{"hour": 9, "minute": 50}
